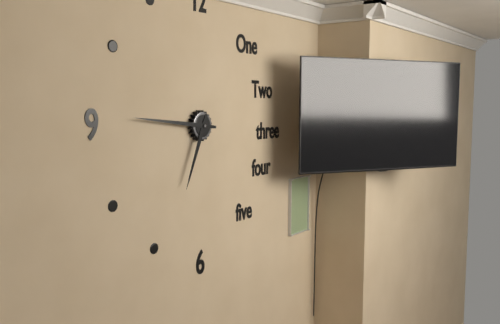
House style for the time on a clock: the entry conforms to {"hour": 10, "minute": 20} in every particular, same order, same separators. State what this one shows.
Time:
{"hour": 6, "minute": 46}
